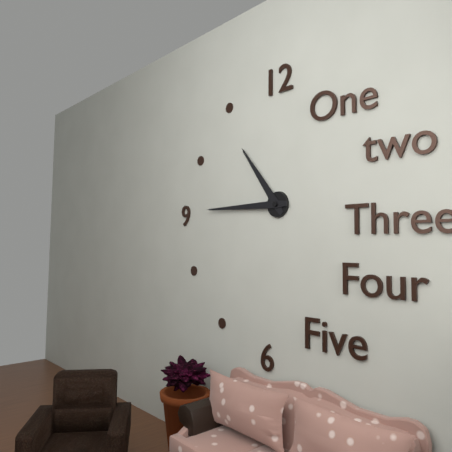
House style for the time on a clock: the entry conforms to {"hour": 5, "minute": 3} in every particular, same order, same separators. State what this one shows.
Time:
{"hour": 10, "minute": 45}
